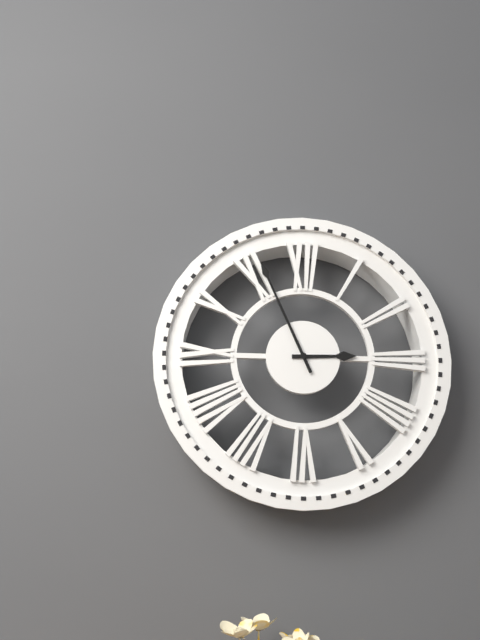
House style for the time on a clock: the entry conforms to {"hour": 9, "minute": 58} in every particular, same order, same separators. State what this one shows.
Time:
{"hour": 2, "minute": 56}
